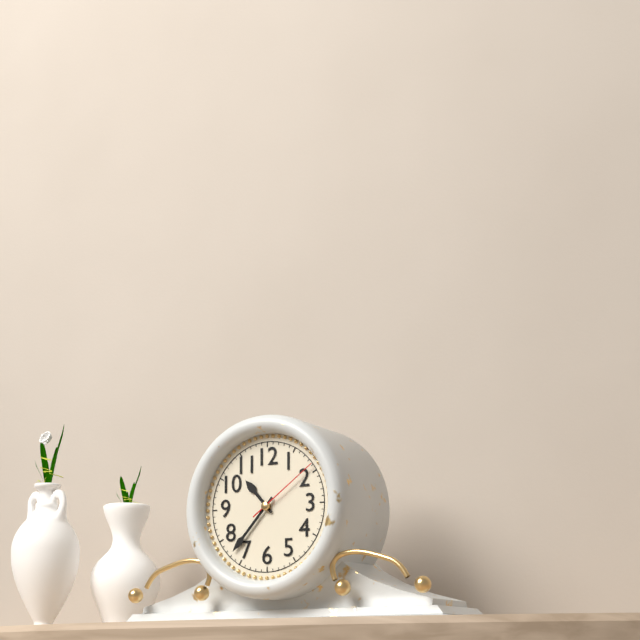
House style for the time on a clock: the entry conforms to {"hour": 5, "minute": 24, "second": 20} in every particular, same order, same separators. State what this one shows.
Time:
{"hour": 10, "minute": 37, "second": 9}
